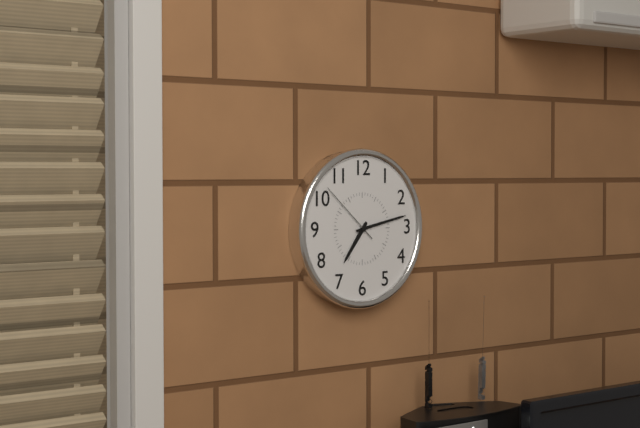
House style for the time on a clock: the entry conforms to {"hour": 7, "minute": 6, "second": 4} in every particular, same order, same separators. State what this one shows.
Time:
{"hour": 7, "minute": 13, "second": 52}
